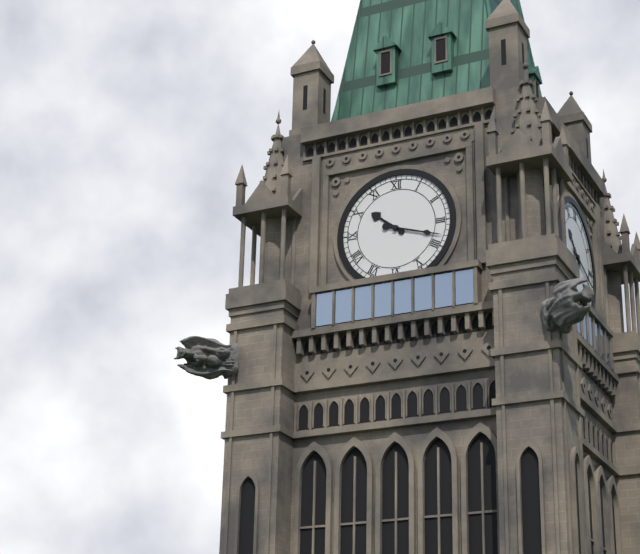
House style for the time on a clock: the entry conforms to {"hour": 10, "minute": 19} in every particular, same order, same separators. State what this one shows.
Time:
{"hour": 10, "minute": 18}
